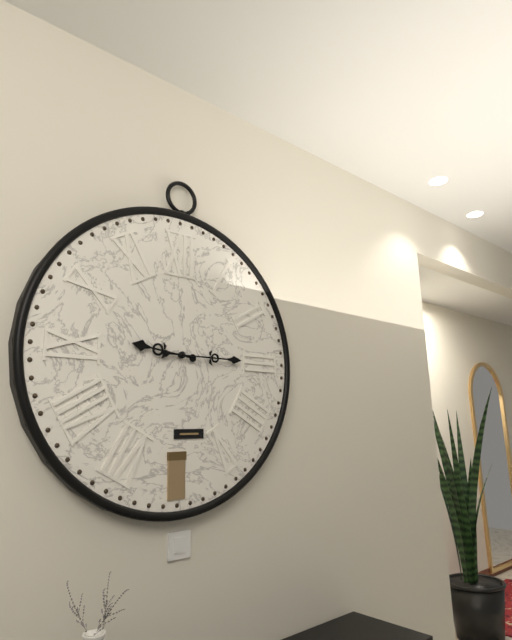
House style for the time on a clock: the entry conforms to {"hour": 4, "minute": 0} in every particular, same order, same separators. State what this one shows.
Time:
{"hour": 9, "minute": 15}
